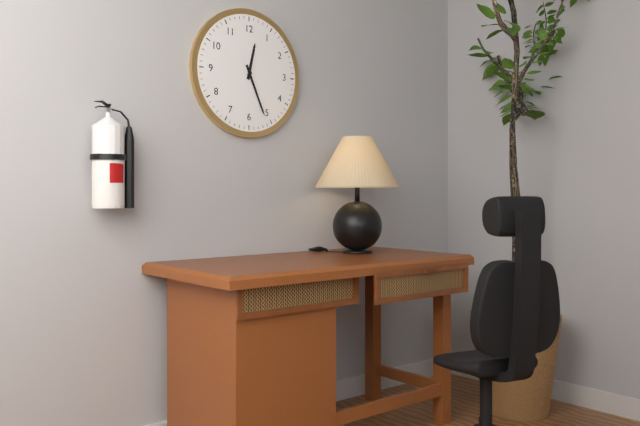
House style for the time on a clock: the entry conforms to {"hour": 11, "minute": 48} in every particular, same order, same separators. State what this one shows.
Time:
{"hour": 12, "minute": 26}
